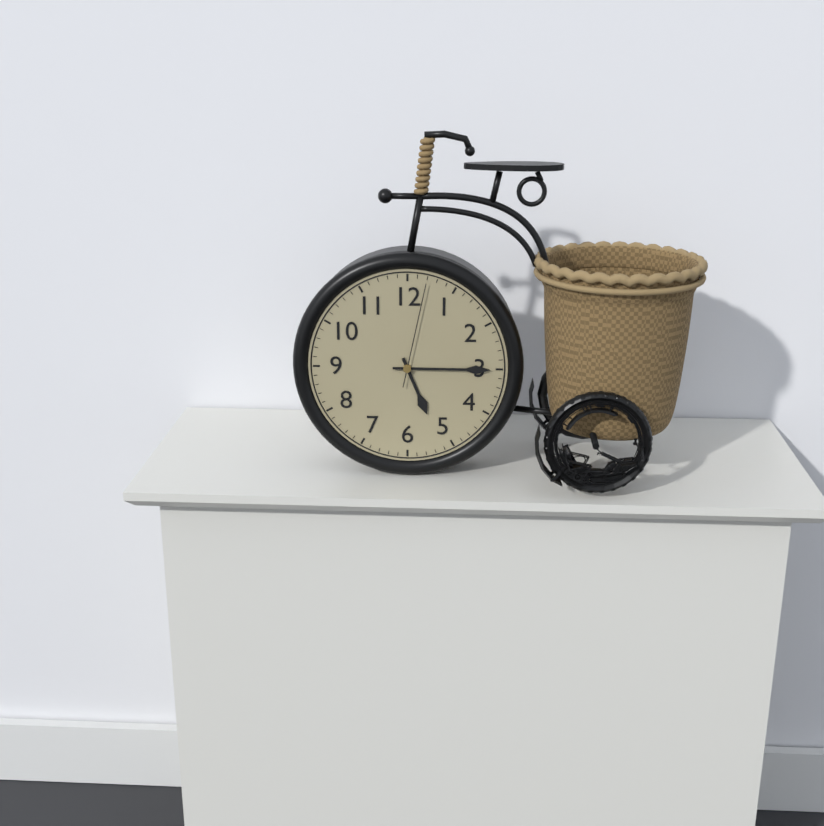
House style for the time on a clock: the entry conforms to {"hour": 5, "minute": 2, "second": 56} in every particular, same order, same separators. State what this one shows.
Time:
{"hour": 5, "minute": 15, "second": 2}
